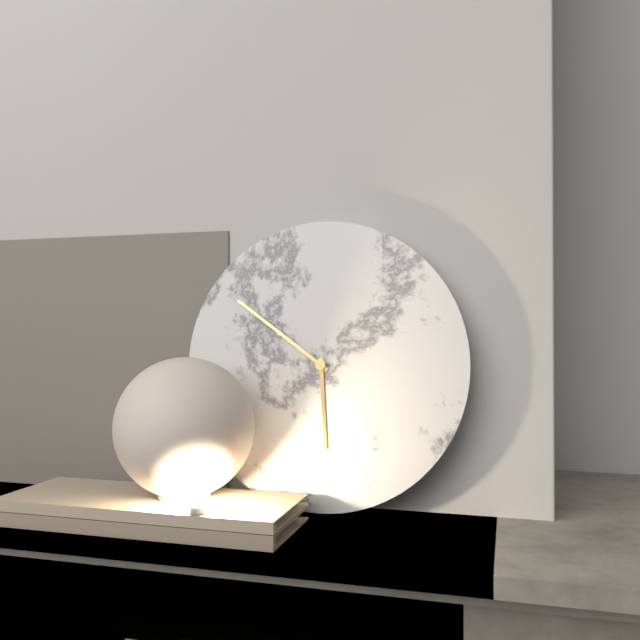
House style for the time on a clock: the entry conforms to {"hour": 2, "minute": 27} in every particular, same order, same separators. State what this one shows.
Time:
{"hour": 5, "minute": 51}
